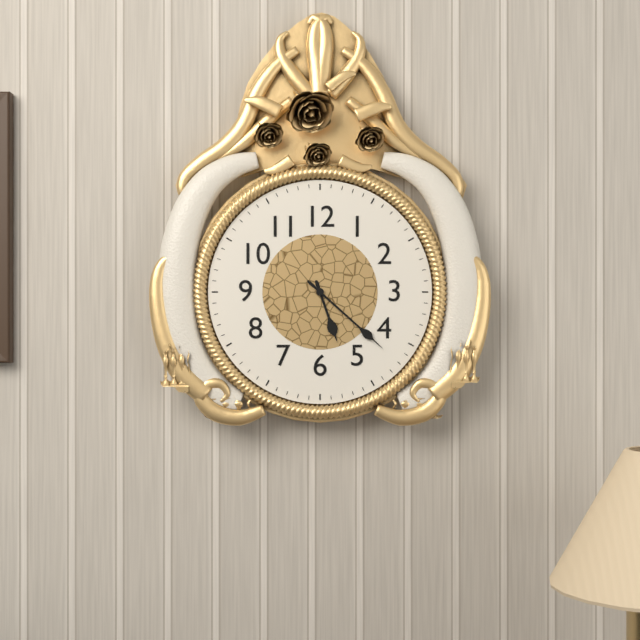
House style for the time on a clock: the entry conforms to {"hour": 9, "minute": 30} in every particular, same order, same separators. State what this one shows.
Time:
{"hour": 5, "minute": 22}
